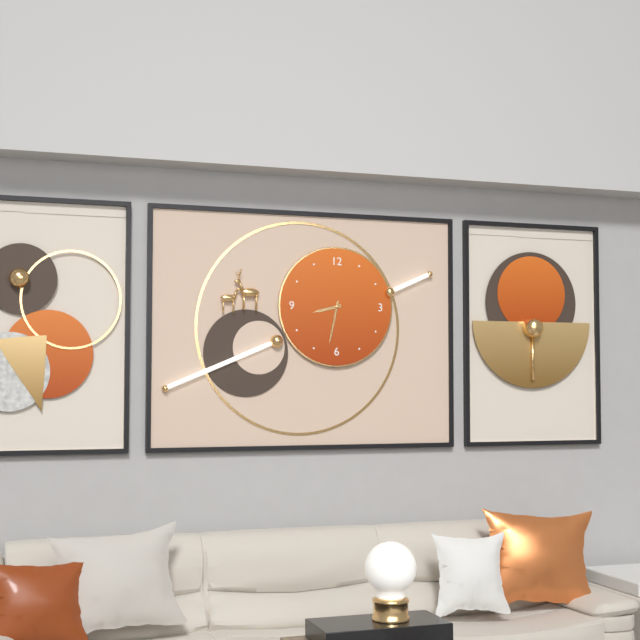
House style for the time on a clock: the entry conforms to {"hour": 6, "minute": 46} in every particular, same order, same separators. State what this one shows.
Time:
{"hour": 8, "minute": 32}
